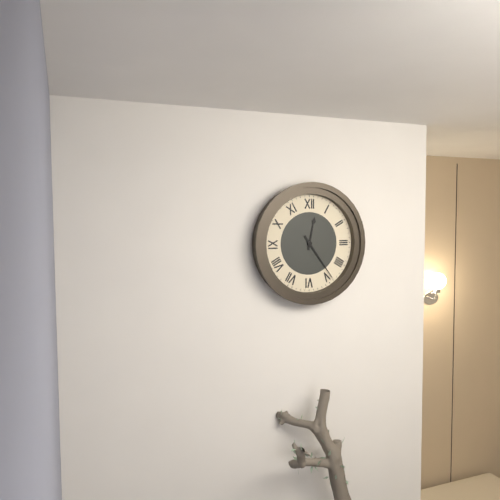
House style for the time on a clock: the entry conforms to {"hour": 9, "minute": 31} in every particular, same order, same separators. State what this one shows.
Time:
{"hour": 12, "minute": 24}
